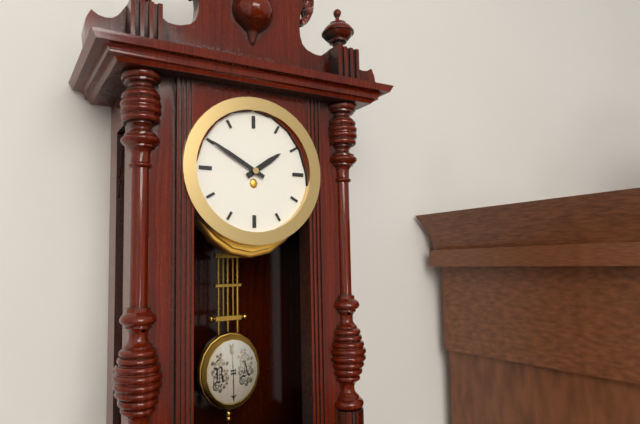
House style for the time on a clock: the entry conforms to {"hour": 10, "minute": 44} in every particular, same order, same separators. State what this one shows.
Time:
{"hour": 1, "minute": 50}
